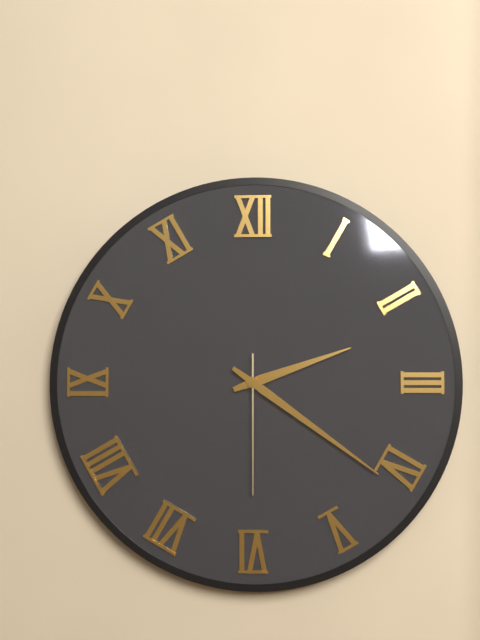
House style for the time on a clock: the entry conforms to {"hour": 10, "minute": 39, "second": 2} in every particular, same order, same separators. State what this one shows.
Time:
{"hour": 2, "minute": 21, "second": 30}
